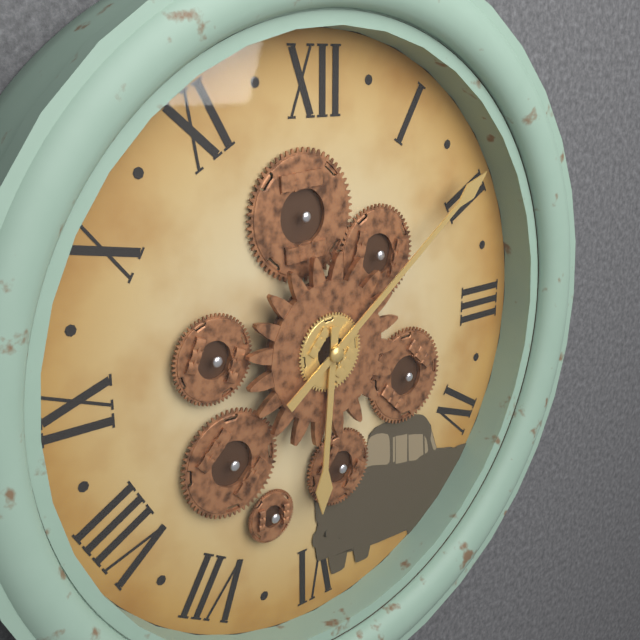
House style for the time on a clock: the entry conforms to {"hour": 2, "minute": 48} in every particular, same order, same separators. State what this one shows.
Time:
{"hour": 6, "minute": 9}
